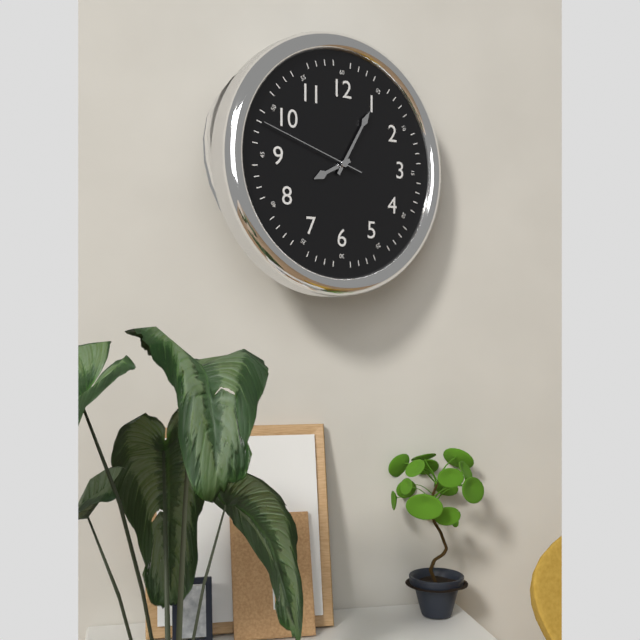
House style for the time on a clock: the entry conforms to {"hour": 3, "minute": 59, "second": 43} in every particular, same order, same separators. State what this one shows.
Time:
{"hour": 8, "minute": 5, "second": 48}
